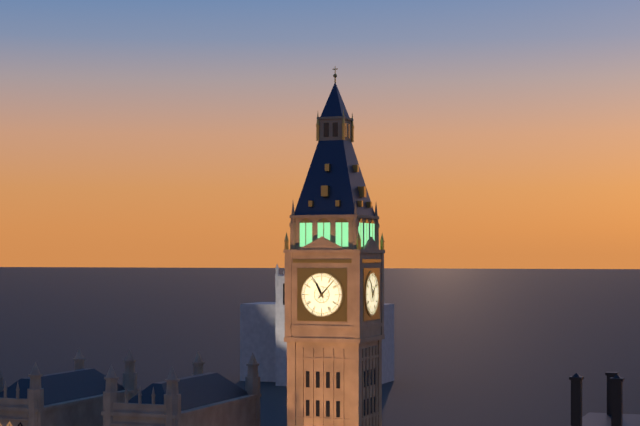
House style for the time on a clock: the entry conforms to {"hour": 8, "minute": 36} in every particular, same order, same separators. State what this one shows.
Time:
{"hour": 11, "minute": 7}
